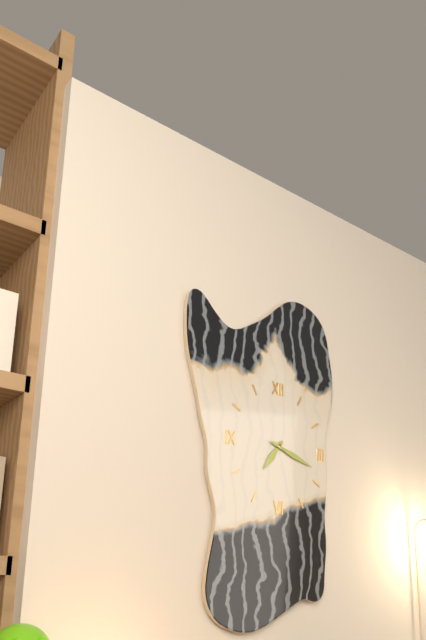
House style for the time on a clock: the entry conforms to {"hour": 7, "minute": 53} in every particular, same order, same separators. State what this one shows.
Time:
{"hour": 7, "minute": 18}
